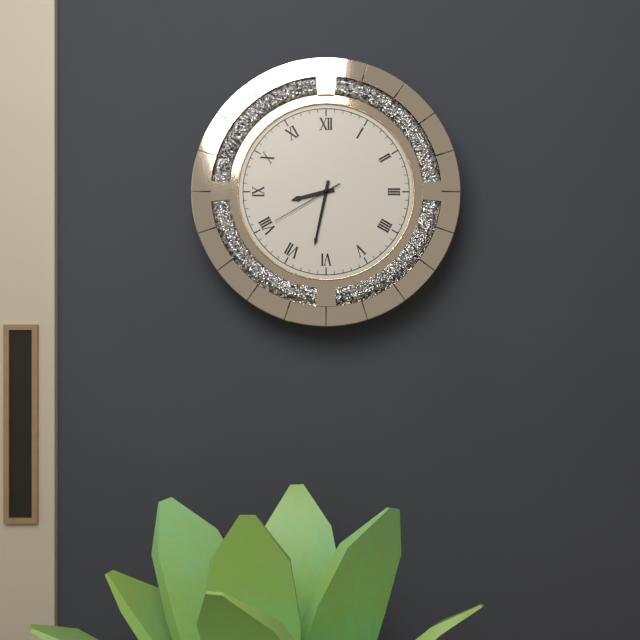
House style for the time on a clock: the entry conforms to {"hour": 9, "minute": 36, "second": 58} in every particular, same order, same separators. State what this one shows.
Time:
{"hour": 8, "minute": 32, "second": 40}
